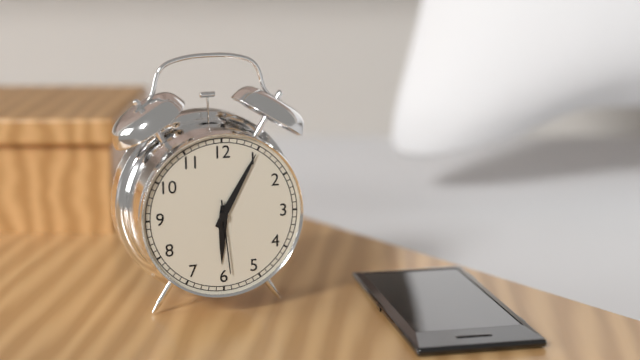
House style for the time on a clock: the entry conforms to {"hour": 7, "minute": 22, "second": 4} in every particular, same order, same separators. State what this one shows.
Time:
{"hour": 6, "minute": 5, "second": 29}
